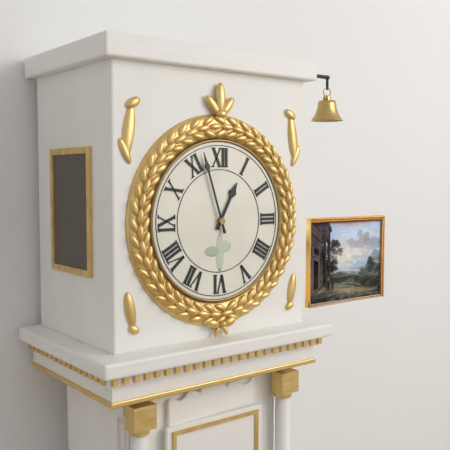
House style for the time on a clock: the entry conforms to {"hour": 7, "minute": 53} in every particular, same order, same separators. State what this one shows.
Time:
{"hour": 12, "minute": 57}
